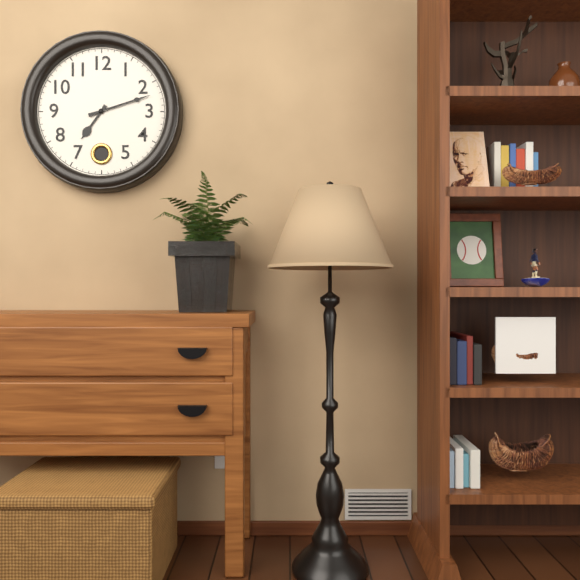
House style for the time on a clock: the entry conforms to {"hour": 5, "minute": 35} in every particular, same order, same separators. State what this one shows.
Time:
{"hour": 7, "minute": 12}
